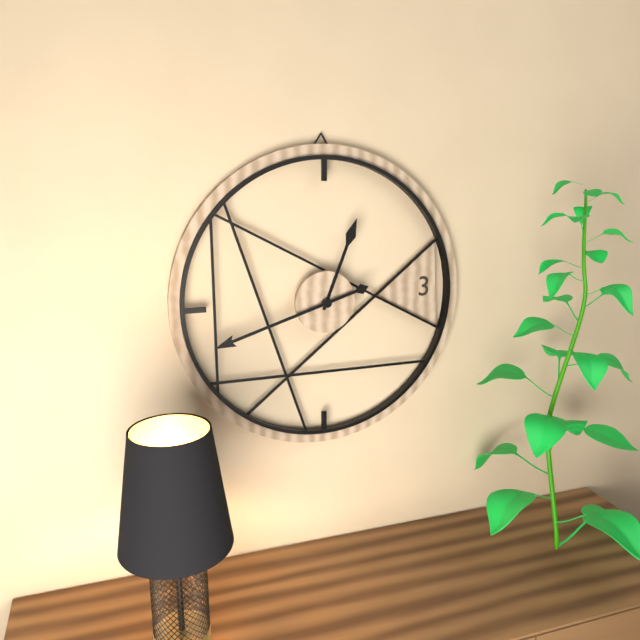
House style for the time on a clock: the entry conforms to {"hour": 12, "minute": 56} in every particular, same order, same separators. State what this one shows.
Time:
{"hour": 12, "minute": 42}
